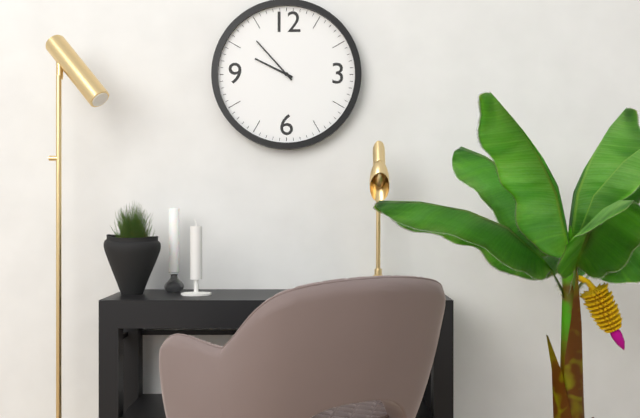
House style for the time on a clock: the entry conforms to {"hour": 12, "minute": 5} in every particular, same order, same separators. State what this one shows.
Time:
{"hour": 9, "minute": 53}
